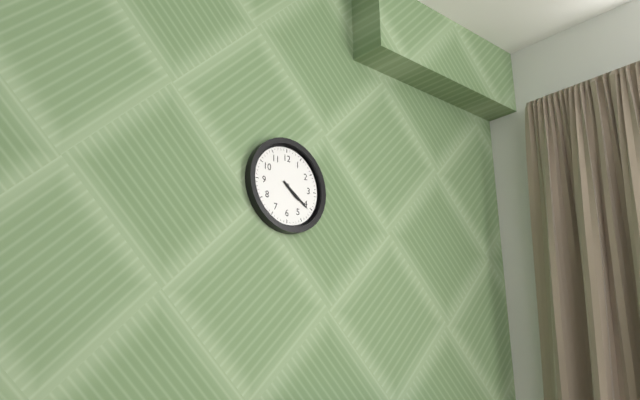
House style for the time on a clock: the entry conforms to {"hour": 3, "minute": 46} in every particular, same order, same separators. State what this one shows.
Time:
{"hour": 4, "minute": 21}
